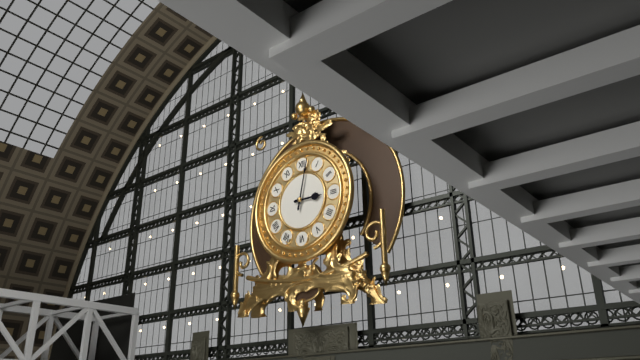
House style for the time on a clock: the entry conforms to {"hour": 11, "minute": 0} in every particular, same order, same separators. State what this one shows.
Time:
{"hour": 3, "minute": 2}
